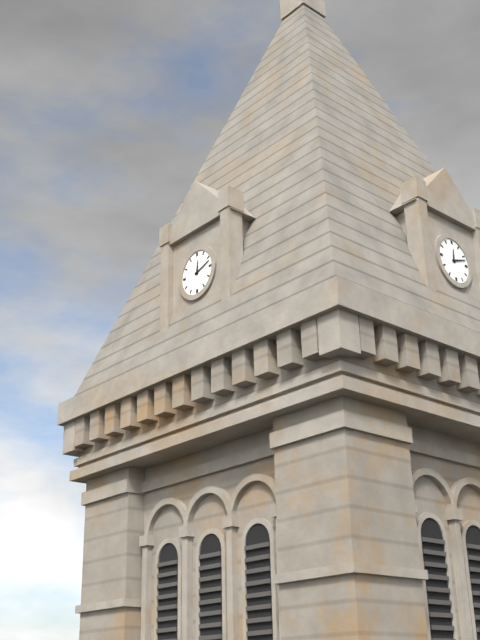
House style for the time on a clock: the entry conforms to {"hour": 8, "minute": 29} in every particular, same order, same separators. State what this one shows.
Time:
{"hour": 12, "minute": 12}
